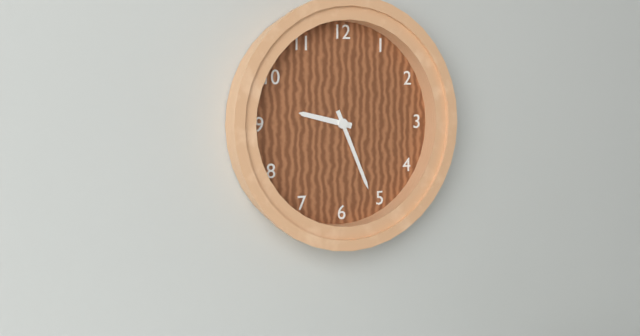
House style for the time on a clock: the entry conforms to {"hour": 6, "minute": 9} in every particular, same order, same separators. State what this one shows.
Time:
{"hour": 9, "minute": 26}
